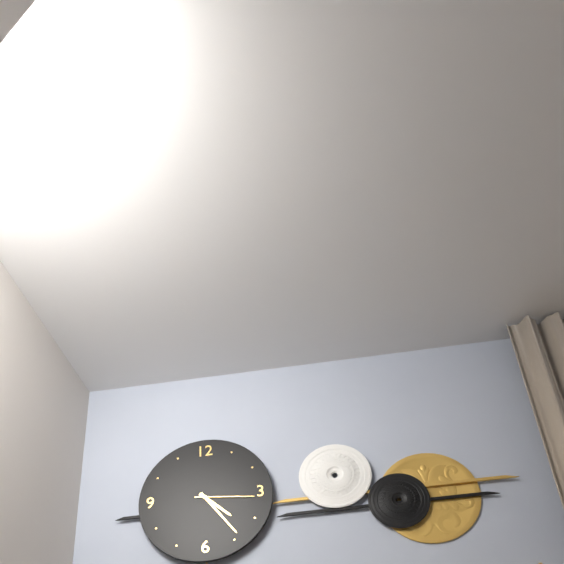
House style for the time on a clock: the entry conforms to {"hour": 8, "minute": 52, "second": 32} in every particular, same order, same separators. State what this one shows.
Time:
{"hour": 4, "minute": 24, "second": 16}
